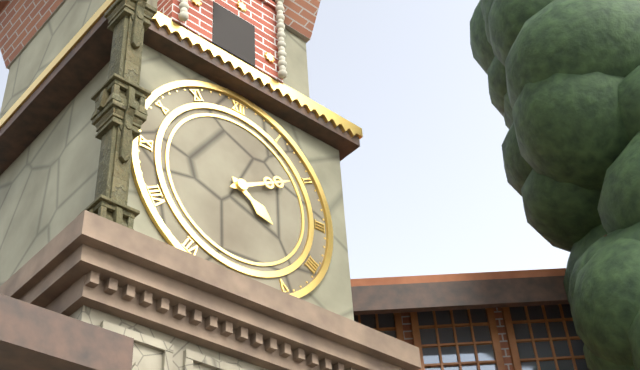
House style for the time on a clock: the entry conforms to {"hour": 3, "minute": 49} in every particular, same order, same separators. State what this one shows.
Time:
{"hour": 4, "minute": 10}
